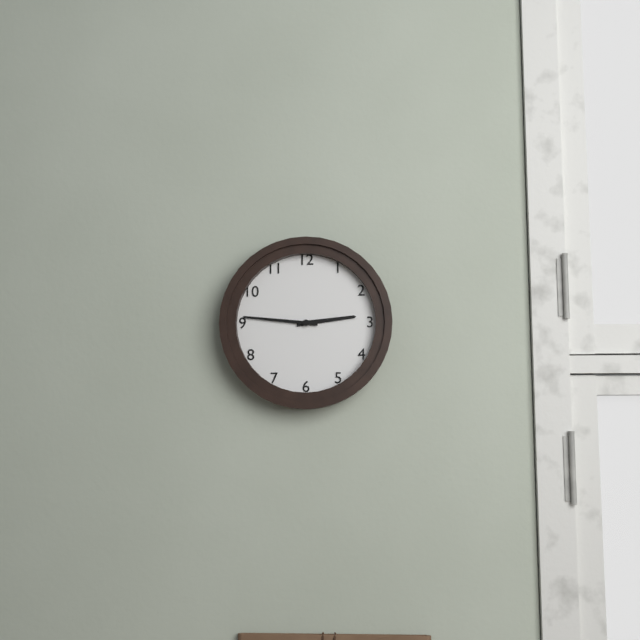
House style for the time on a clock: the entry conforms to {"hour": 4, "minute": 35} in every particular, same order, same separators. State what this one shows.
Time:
{"hour": 2, "minute": 46}
